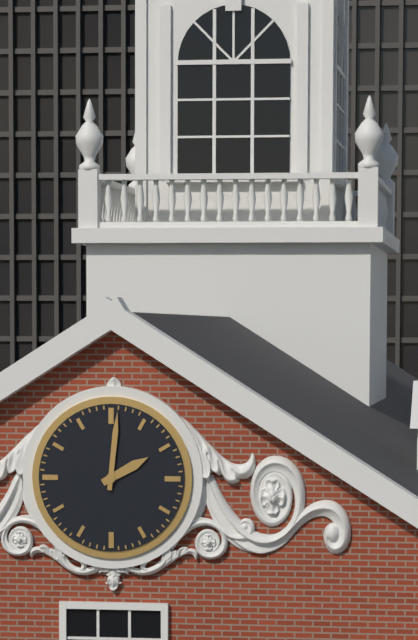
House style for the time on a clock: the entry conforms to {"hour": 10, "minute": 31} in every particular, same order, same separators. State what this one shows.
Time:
{"hour": 2, "minute": 1}
